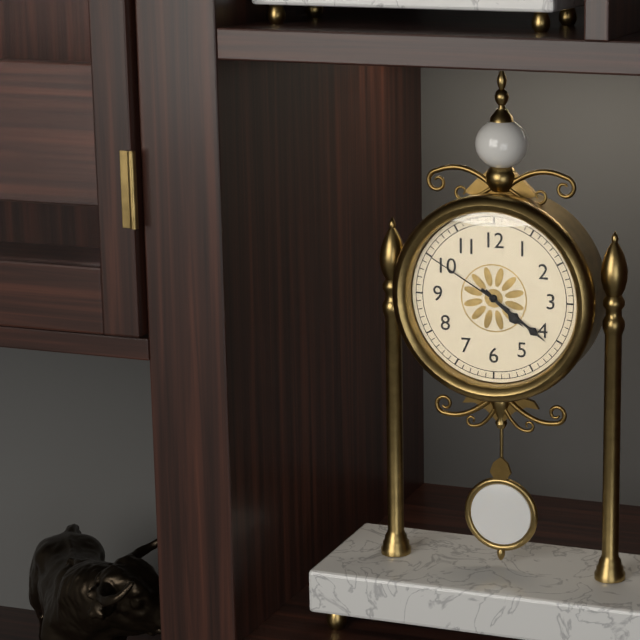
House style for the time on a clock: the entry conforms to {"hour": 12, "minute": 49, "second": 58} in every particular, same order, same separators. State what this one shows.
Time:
{"hour": 4, "minute": 21, "second": 50}
